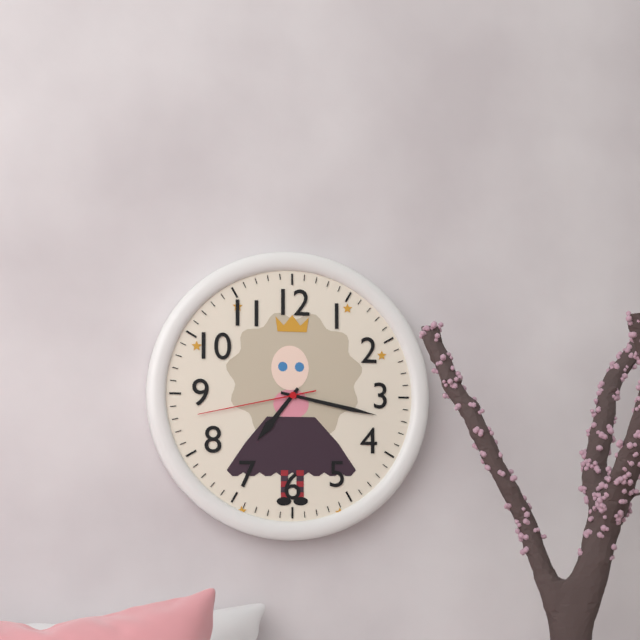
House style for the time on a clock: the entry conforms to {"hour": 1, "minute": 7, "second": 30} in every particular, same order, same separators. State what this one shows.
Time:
{"hour": 7, "minute": 17, "second": 43}
